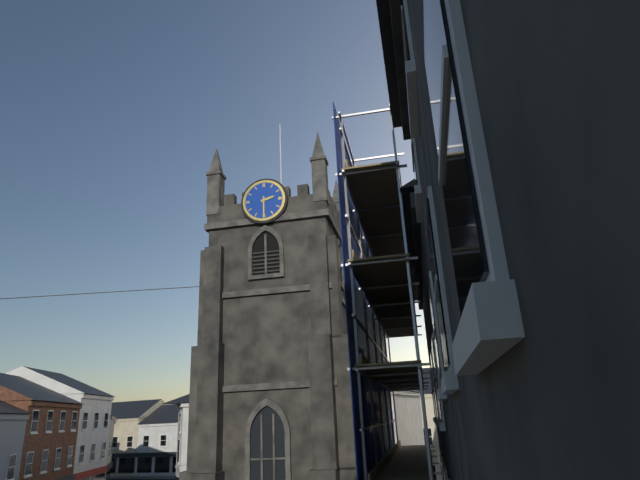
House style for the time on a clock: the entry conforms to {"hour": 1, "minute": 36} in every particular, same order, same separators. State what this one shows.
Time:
{"hour": 2, "minute": 30}
